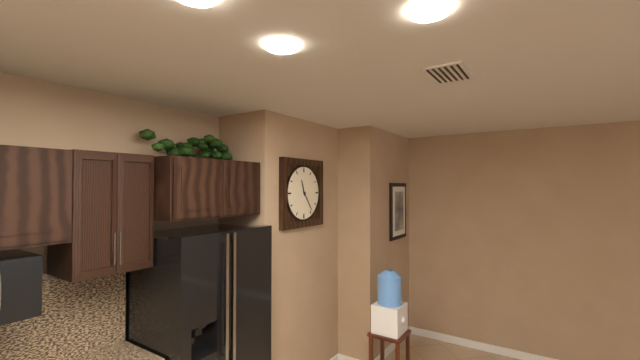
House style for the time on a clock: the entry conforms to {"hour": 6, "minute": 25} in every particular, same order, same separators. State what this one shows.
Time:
{"hour": 11, "minute": 24}
